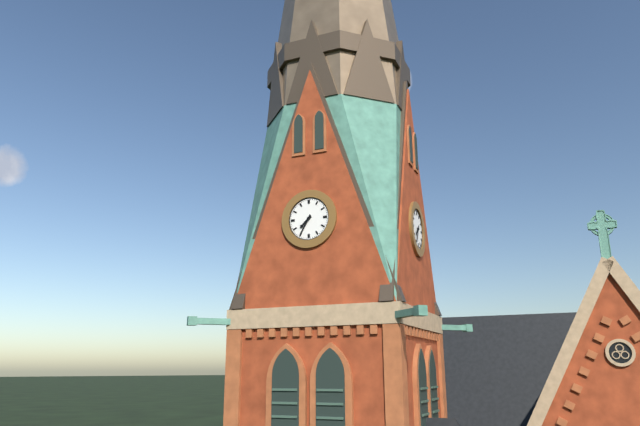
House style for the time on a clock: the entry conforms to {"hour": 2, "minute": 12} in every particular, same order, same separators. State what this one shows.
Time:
{"hour": 7, "minute": 35}
